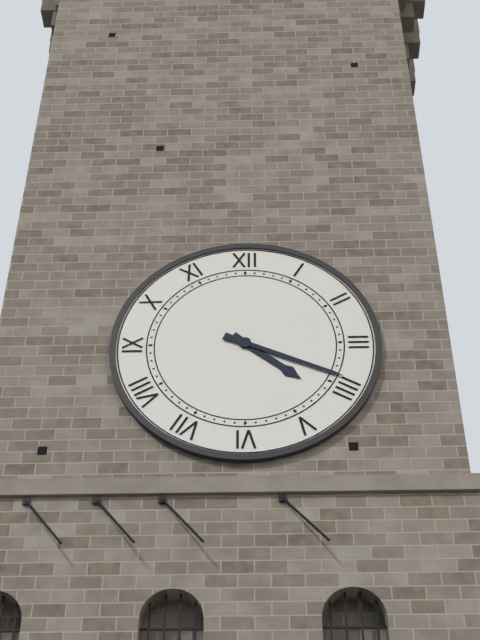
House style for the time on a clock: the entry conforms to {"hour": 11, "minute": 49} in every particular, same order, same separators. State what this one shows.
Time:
{"hour": 4, "minute": 19}
